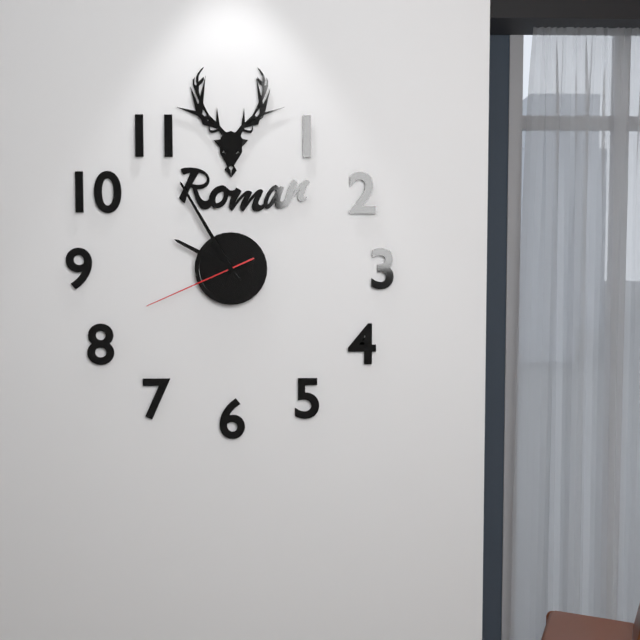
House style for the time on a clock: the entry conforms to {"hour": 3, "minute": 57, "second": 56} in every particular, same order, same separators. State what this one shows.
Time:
{"hour": 9, "minute": 55, "second": 41}
